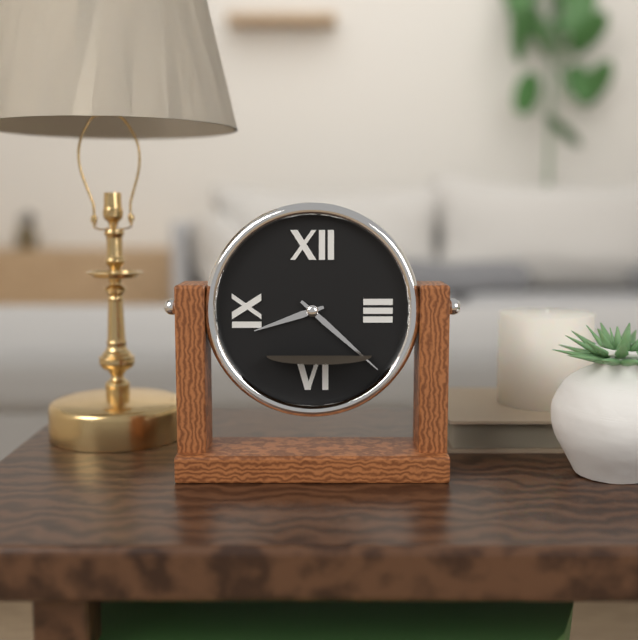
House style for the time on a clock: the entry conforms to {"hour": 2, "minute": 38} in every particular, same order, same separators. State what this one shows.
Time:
{"hour": 8, "minute": 22}
